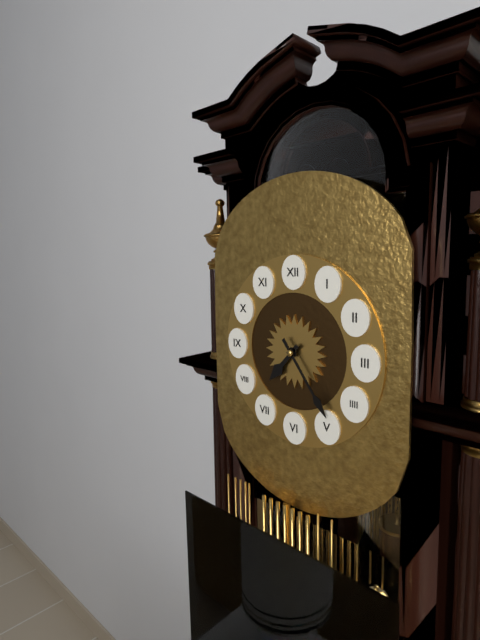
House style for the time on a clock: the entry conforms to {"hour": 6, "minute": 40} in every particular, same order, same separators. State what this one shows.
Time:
{"hour": 7, "minute": 24}
